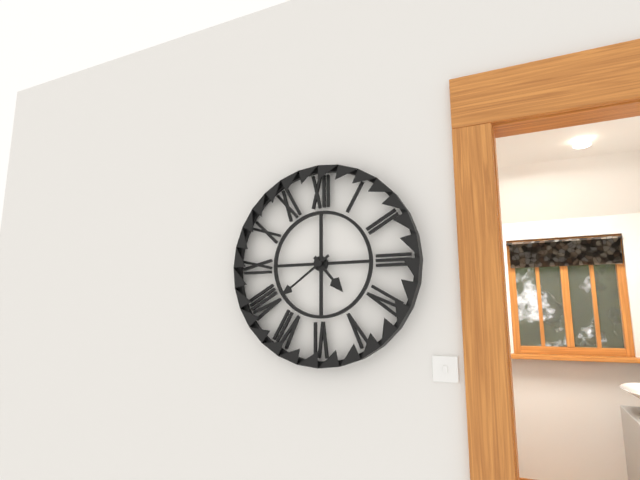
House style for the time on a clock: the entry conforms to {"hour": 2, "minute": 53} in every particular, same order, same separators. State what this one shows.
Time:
{"hour": 4, "minute": 39}
